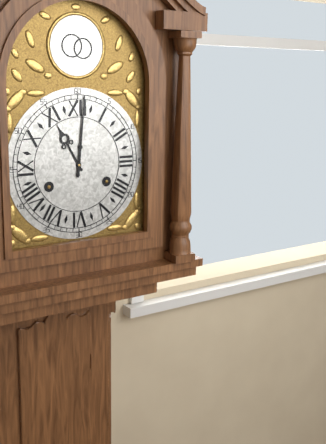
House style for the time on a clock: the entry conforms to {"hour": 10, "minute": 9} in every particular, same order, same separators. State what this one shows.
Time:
{"hour": 11, "minute": 1}
